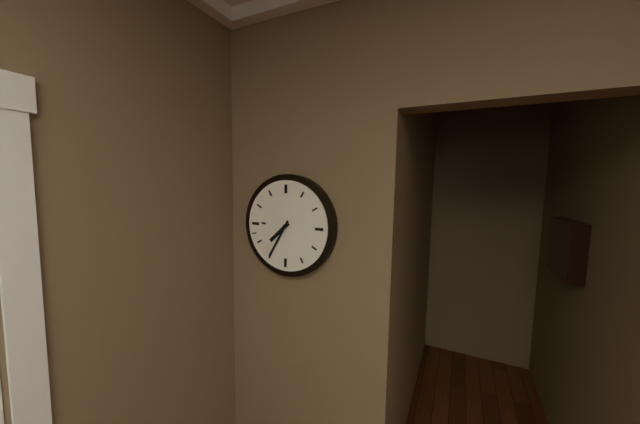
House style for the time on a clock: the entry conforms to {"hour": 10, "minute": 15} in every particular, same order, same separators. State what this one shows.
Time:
{"hour": 7, "minute": 35}
